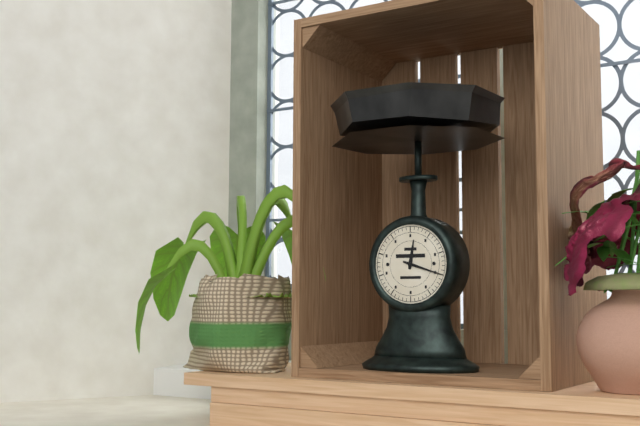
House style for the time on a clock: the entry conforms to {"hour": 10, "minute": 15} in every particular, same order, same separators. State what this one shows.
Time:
{"hour": 12, "minute": 18}
